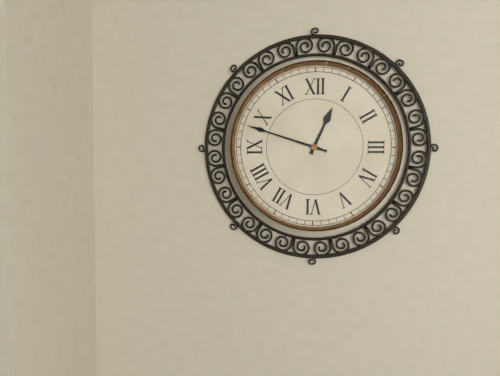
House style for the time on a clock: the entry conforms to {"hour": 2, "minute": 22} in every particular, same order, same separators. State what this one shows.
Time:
{"hour": 12, "minute": 48}
